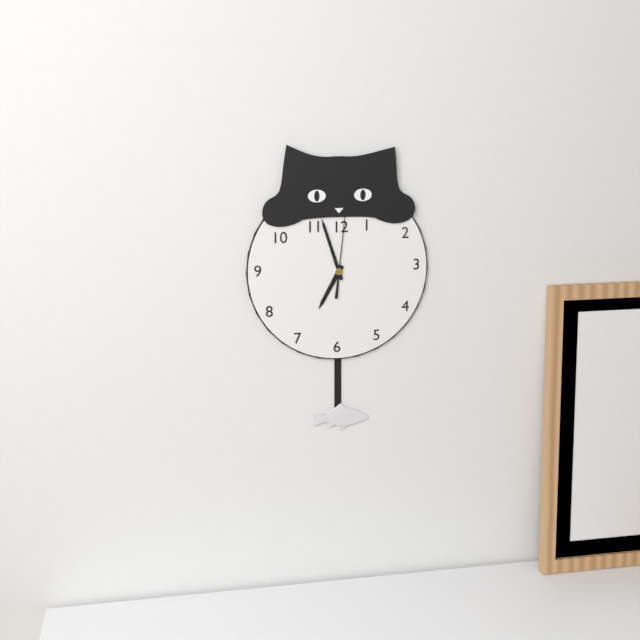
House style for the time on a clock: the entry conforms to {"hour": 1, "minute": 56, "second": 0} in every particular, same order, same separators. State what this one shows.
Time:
{"hour": 6, "minute": 57, "second": 1}
